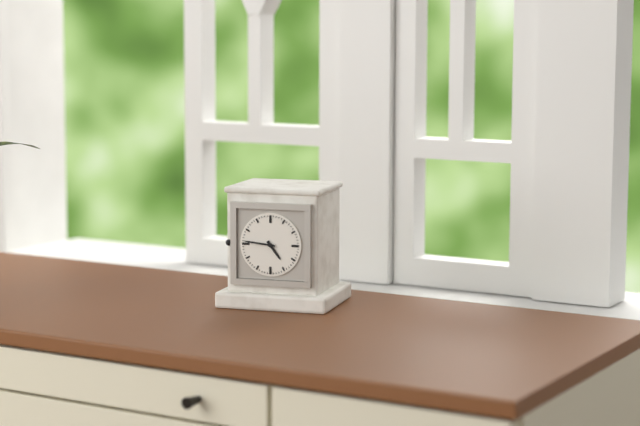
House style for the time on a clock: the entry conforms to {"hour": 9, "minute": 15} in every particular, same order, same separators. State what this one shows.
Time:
{"hour": 4, "minute": 46}
